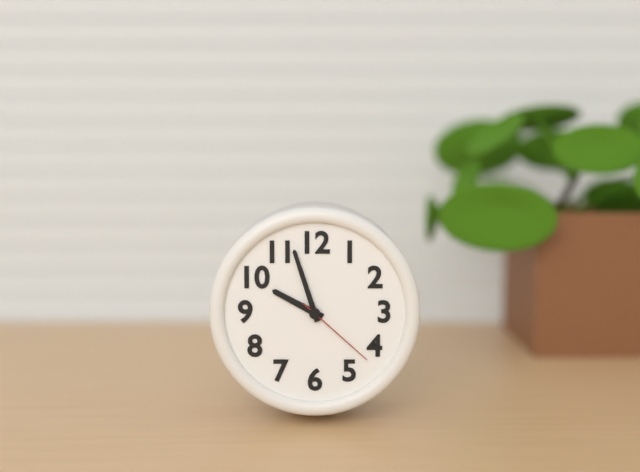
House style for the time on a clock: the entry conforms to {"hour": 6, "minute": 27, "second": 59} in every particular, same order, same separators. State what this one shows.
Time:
{"hour": 9, "minute": 57, "second": 22}
